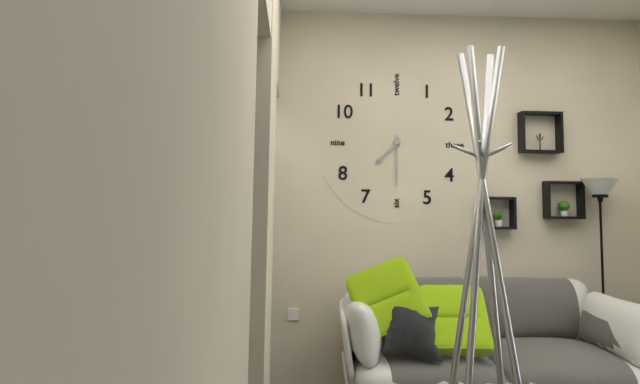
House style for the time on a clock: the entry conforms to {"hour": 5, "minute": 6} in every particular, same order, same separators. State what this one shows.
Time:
{"hour": 7, "minute": 30}
